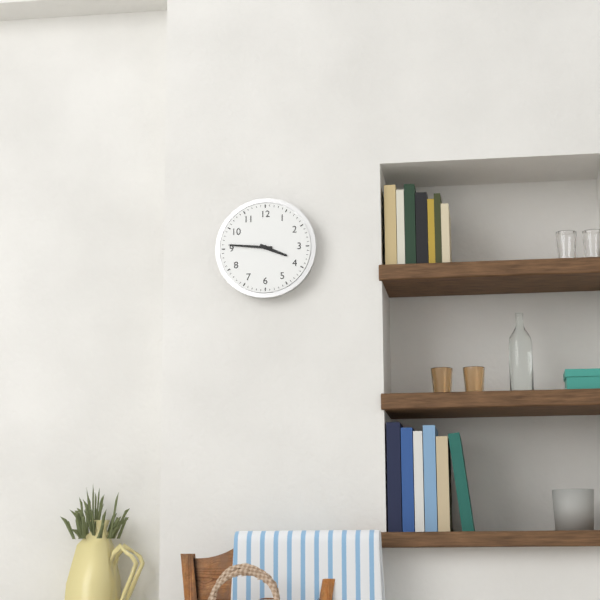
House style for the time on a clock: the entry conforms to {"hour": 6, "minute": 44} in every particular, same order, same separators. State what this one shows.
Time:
{"hour": 3, "minute": 46}
